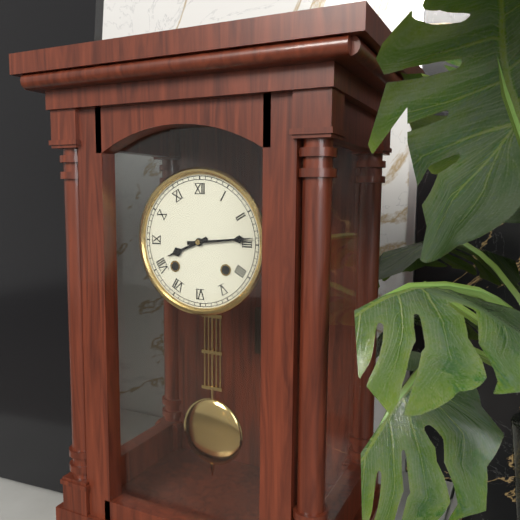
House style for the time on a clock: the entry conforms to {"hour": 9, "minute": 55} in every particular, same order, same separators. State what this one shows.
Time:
{"hour": 8, "minute": 14}
